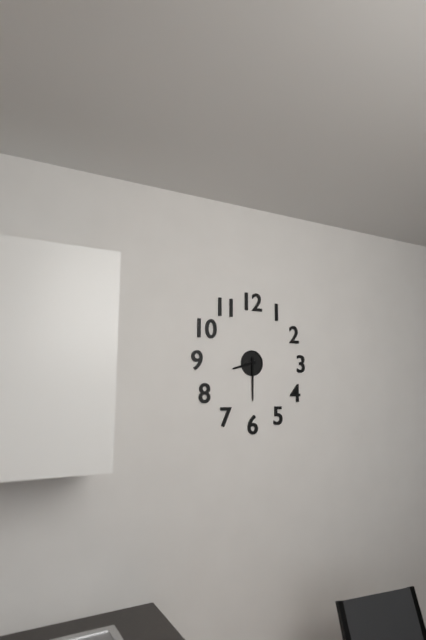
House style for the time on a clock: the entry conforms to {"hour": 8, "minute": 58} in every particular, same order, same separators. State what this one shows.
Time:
{"hour": 8, "minute": 30}
